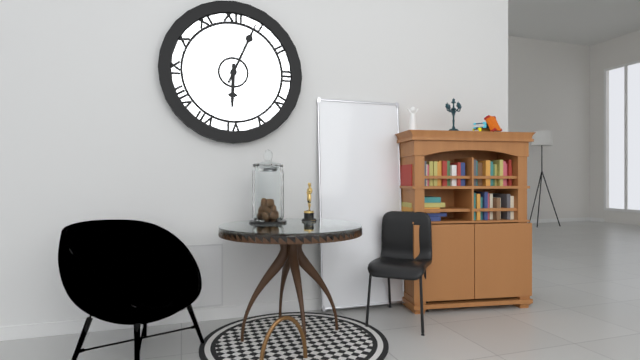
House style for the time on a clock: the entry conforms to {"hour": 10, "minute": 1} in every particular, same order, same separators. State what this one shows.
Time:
{"hour": 6, "minute": 4}
